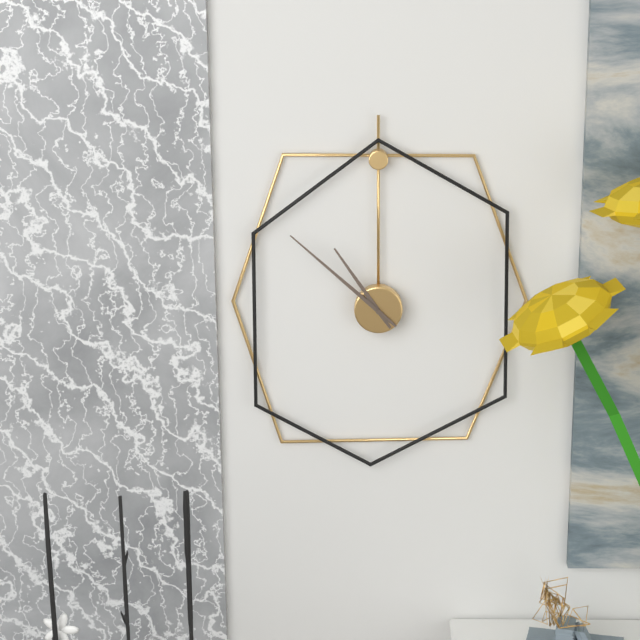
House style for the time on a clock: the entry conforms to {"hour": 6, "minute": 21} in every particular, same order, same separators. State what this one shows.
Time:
{"hour": 10, "minute": 52}
